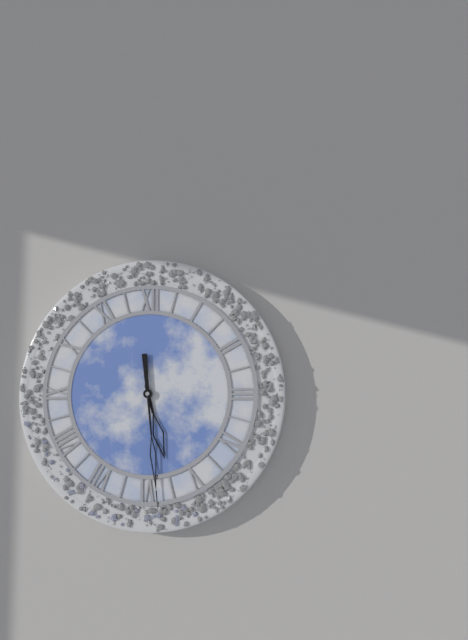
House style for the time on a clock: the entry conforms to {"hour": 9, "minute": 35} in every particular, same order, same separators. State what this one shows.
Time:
{"hour": 5, "minute": 29}
